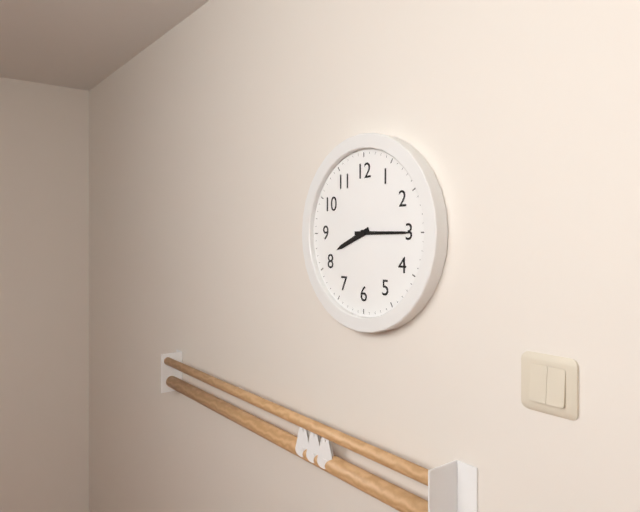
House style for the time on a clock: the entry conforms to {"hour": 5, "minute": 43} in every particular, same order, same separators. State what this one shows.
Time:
{"hour": 8, "minute": 15}
